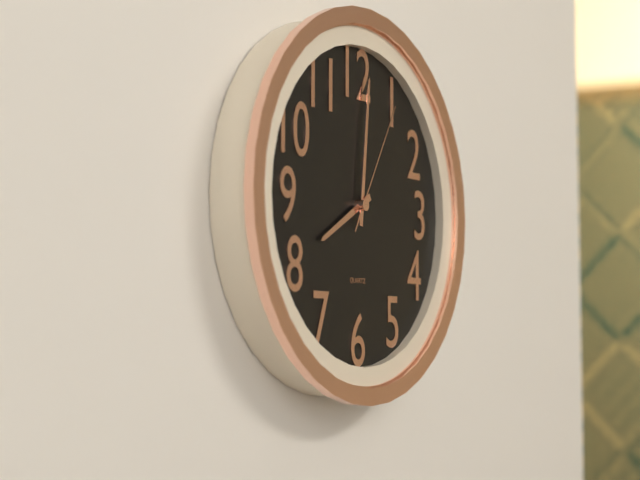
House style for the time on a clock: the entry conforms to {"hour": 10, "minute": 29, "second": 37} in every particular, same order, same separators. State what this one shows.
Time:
{"hour": 8, "minute": 1, "second": 5}
